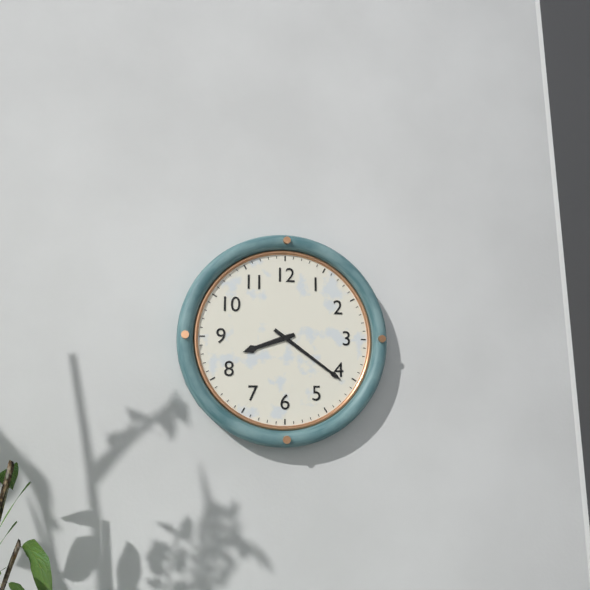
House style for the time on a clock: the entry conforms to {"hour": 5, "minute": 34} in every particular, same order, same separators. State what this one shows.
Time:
{"hour": 8, "minute": 21}
